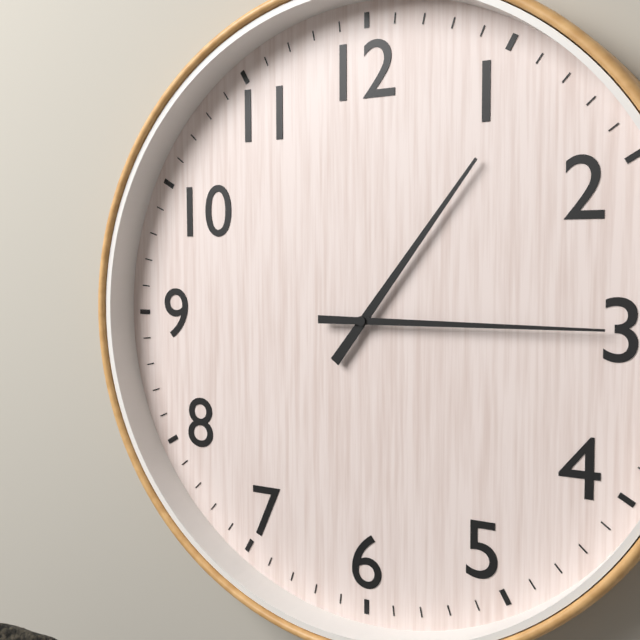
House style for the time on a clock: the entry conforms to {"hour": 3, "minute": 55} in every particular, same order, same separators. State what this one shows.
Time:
{"hour": 1, "minute": 15}
